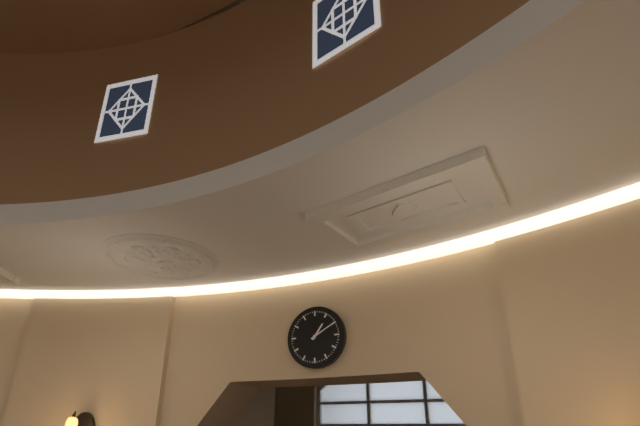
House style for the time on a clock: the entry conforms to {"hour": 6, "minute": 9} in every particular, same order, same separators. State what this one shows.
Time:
{"hour": 1, "minute": 10}
